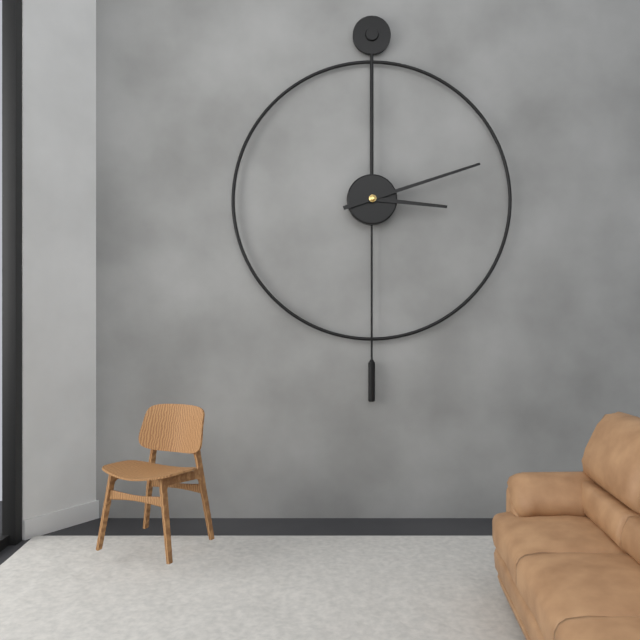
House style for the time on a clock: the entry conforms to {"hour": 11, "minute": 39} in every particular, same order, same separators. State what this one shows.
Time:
{"hour": 3, "minute": 12}
